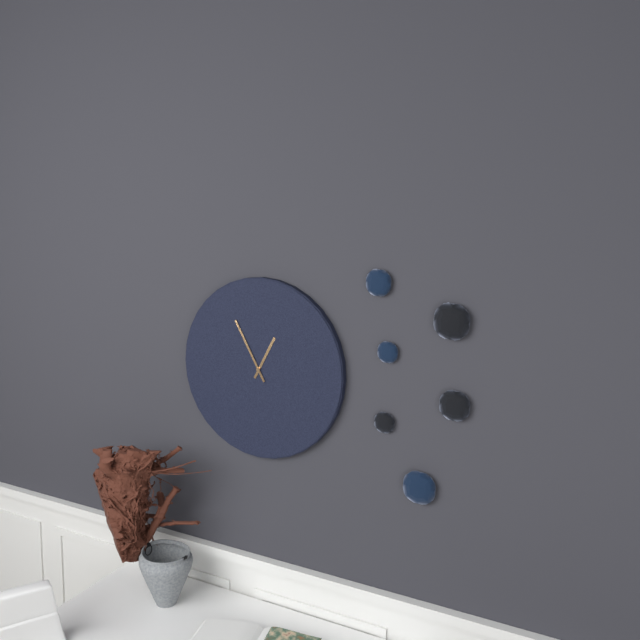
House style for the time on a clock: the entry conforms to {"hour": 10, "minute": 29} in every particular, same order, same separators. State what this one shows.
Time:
{"hour": 12, "minute": 55}
